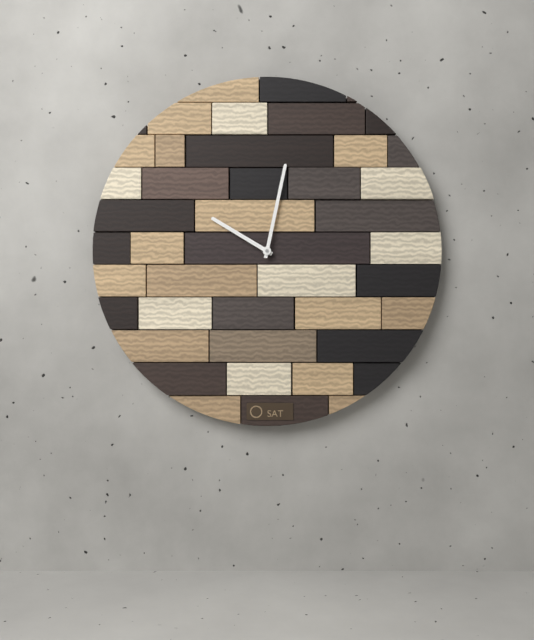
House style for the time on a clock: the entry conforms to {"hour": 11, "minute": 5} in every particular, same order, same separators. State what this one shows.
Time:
{"hour": 10, "minute": 2}
